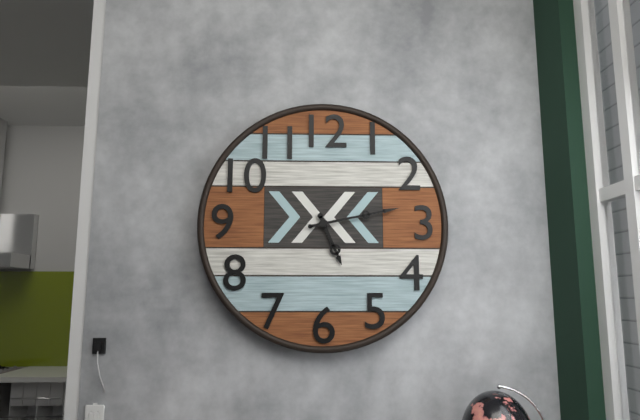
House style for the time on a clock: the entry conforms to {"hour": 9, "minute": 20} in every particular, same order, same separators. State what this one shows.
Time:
{"hour": 5, "minute": 13}
